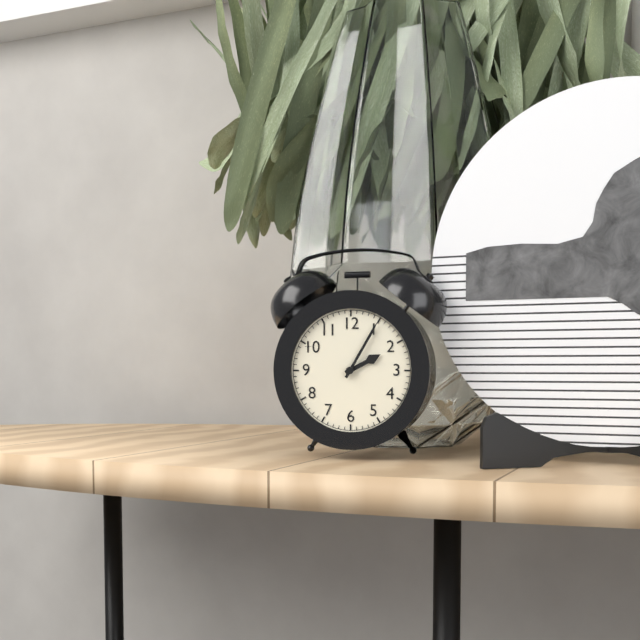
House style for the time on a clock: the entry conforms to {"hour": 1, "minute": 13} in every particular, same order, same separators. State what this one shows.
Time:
{"hour": 2, "minute": 5}
